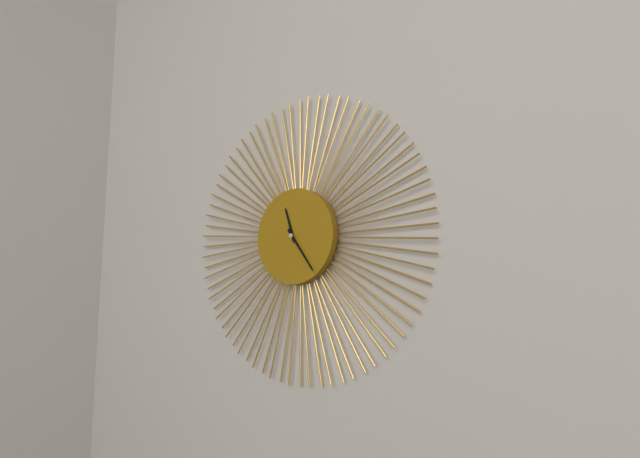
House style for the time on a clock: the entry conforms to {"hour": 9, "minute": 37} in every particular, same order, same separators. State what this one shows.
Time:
{"hour": 11, "minute": 24}
